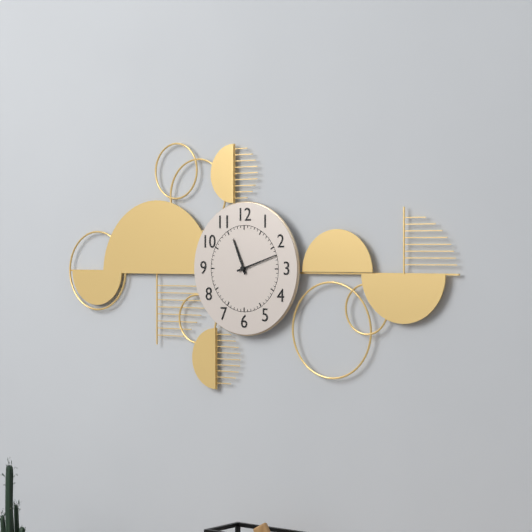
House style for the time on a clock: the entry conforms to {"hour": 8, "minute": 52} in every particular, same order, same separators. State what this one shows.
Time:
{"hour": 11, "minute": 12}
